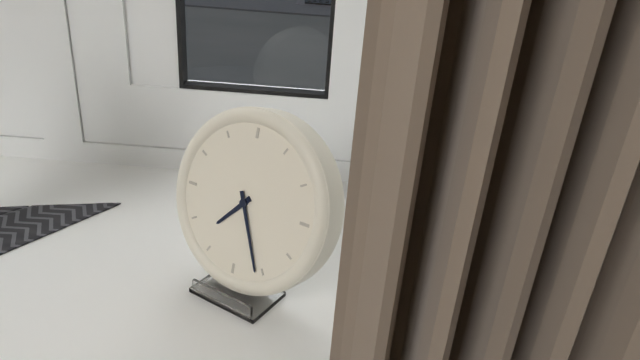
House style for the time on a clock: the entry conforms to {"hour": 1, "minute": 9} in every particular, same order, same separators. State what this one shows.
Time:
{"hour": 7, "minute": 26}
